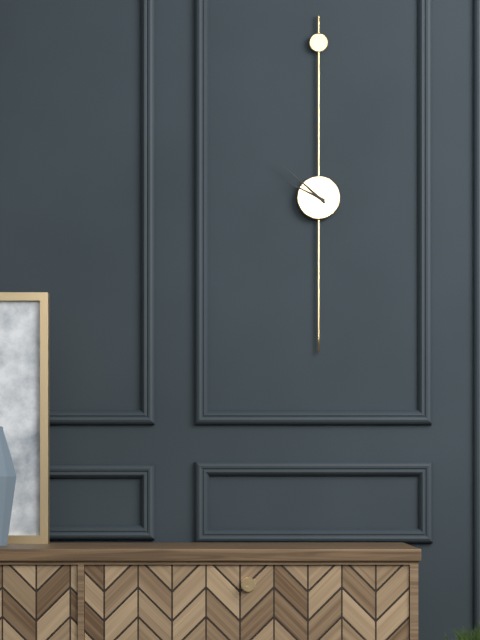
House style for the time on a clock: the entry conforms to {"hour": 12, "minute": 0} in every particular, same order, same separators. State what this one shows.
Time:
{"hour": 9, "minute": 52}
